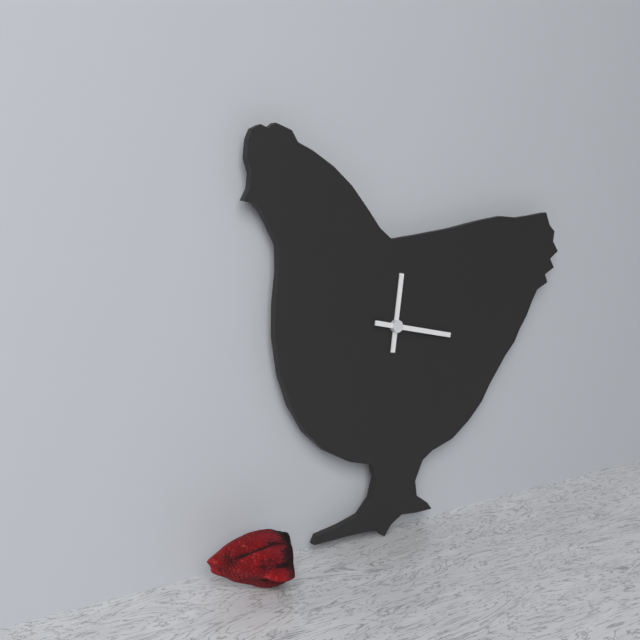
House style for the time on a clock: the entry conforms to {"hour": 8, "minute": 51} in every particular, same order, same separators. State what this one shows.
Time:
{"hour": 12, "minute": 17}
